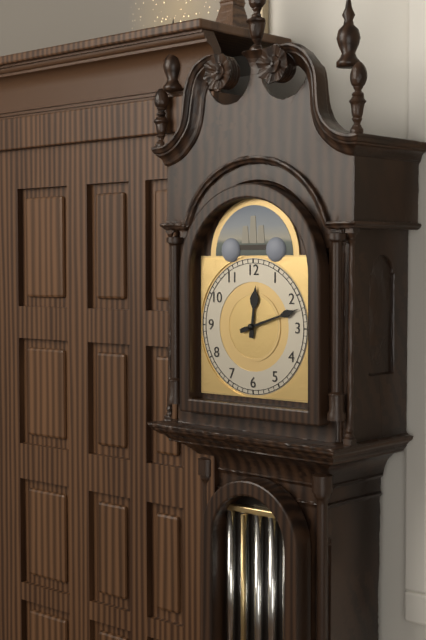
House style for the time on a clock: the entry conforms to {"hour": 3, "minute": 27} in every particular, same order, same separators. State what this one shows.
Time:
{"hour": 12, "minute": 12}
